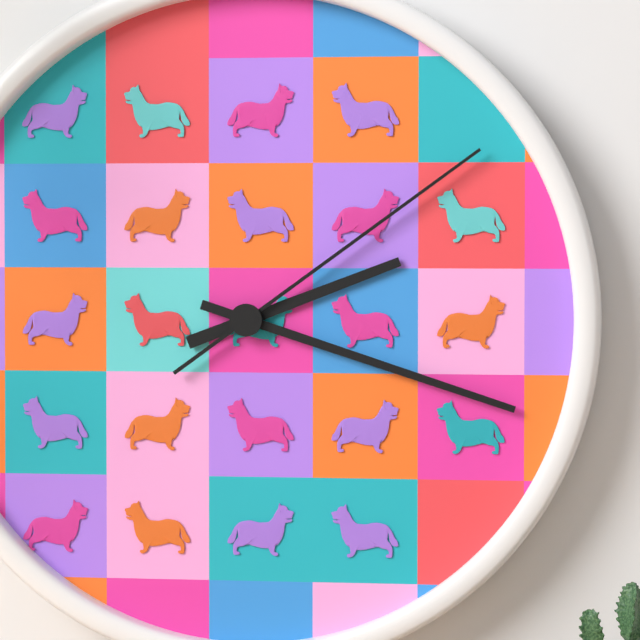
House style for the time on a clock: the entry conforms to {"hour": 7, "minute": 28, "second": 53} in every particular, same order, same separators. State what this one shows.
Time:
{"hour": 2, "minute": 18, "second": 9}
